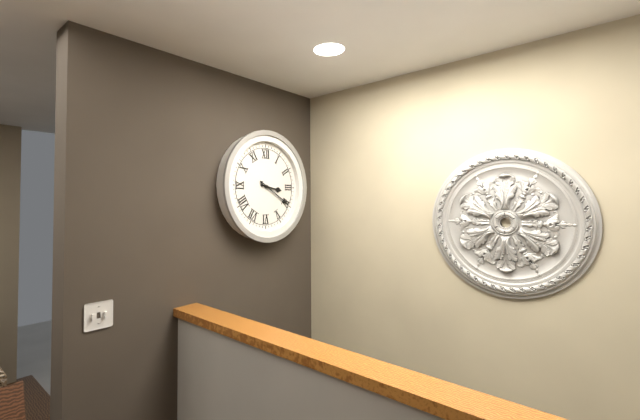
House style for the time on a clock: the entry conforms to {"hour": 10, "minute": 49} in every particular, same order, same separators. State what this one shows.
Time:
{"hour": 3, "minute": 20}
